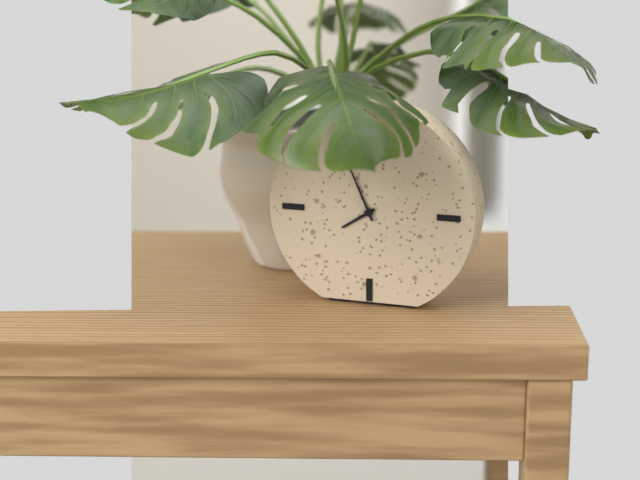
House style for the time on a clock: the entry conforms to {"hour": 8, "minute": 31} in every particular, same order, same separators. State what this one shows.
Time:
{"hour": 7, "minute": 56}
